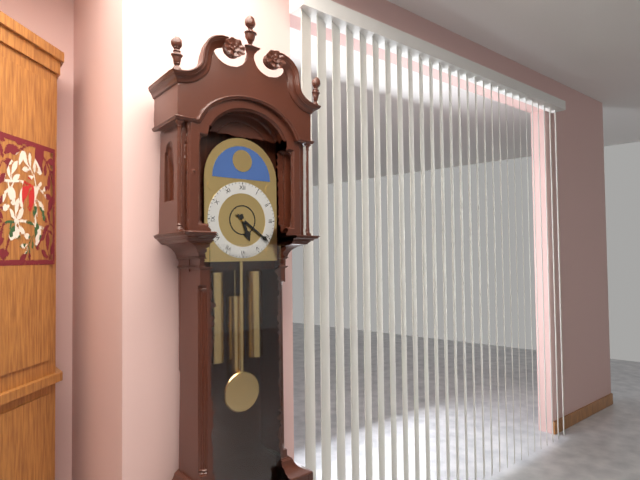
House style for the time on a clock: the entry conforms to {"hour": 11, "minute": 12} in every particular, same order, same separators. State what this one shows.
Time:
{"hour": 5, "minute": 21}
